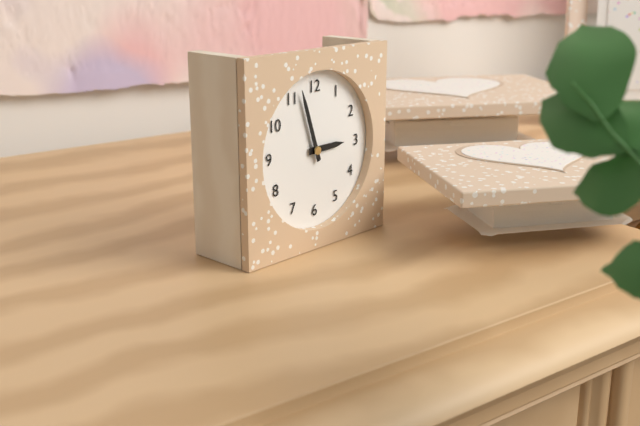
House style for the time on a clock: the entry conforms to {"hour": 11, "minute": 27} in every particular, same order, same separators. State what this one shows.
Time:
{"hour": 2, "minute": 57}
